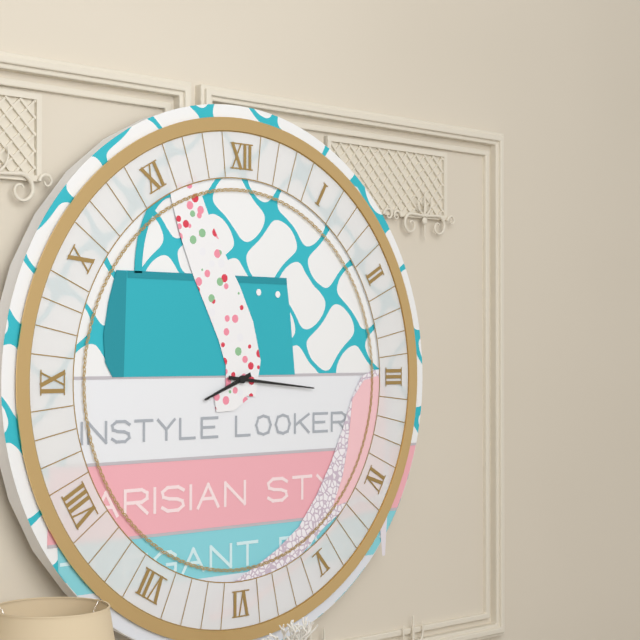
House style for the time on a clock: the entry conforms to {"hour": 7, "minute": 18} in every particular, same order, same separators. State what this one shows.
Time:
{"hour": 8, "minute": 16}
